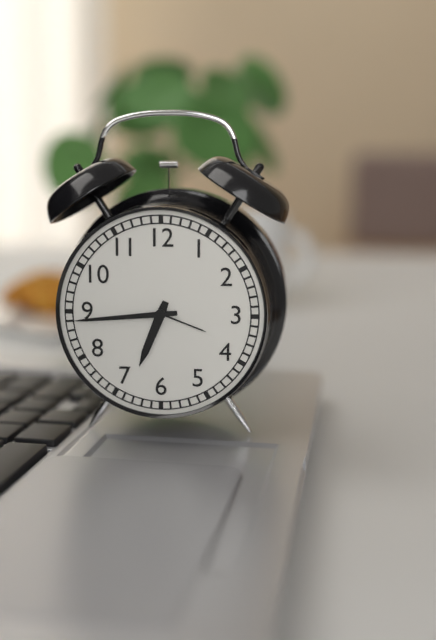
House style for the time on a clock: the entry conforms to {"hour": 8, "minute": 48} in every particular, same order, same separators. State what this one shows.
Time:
{"hour": 6, "minute": 44}
